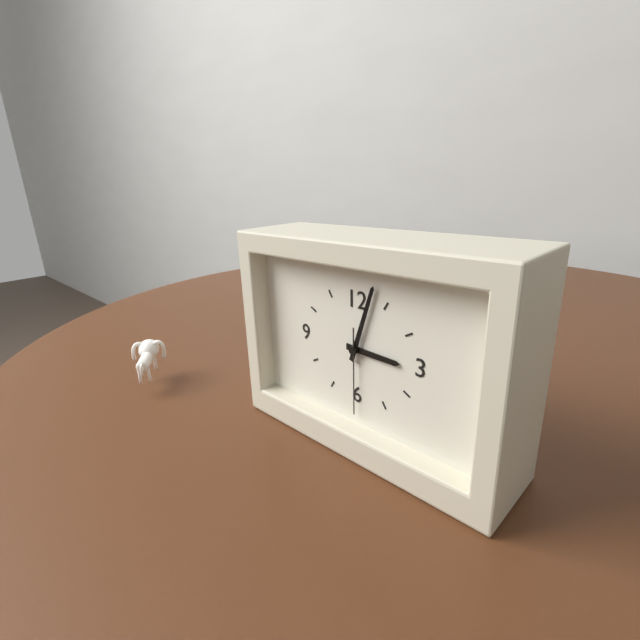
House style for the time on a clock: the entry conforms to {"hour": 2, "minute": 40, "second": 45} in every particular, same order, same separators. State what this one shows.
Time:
{"hour": 3, "minute": 3, "second": 30}
